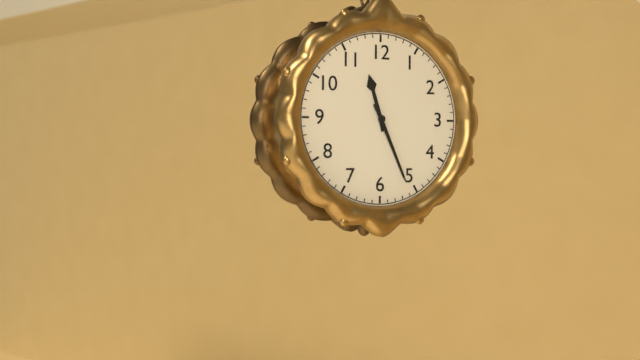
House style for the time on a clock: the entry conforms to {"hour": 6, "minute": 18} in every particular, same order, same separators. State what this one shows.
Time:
{"hour": 11, "minute": 26}
